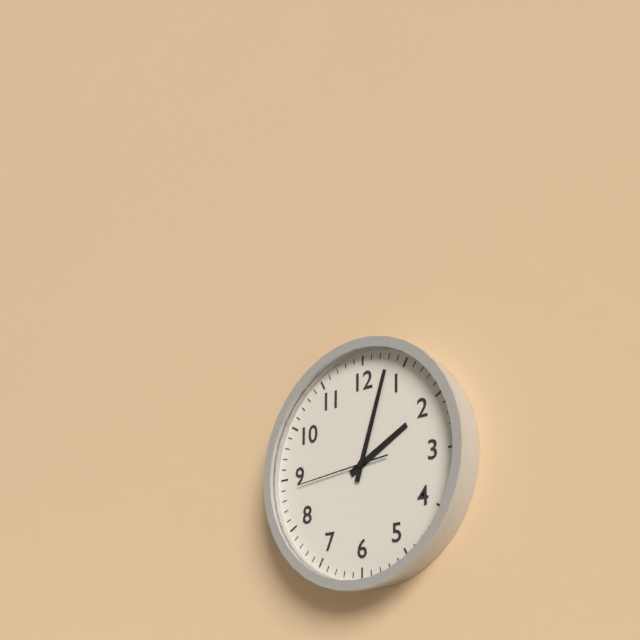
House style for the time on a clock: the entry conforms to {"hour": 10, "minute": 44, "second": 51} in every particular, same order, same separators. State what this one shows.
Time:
{"hour": 2, "minute": 3, "second": 44}
